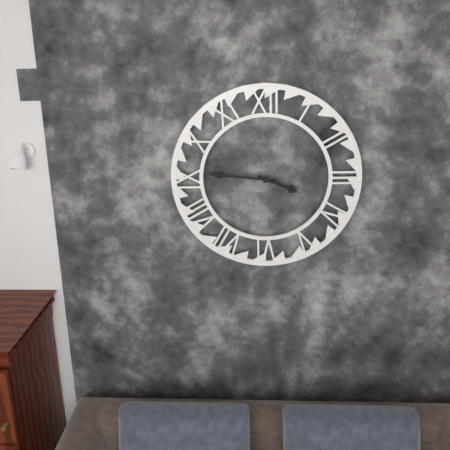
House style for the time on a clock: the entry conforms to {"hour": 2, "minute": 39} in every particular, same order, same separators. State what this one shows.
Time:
{"hour": 3, "minute": 46}
